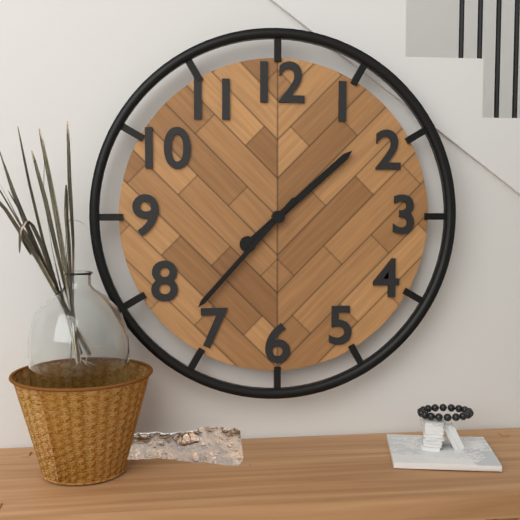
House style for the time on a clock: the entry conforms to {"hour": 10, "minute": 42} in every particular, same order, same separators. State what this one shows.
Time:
{"hour": 1, "minute": 37}
